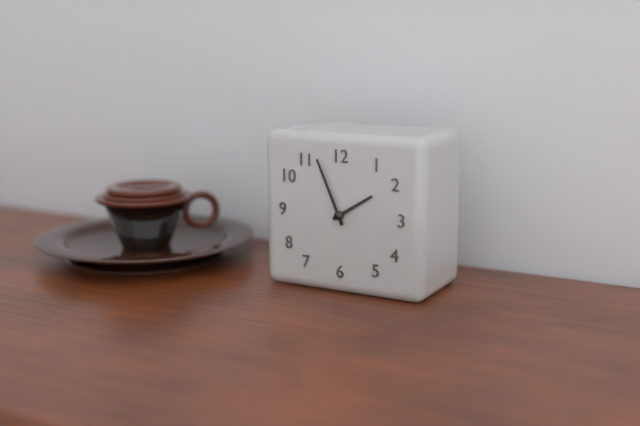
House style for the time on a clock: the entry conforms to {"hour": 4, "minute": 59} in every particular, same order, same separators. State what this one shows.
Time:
{"hour": 1, "minute": 56}
